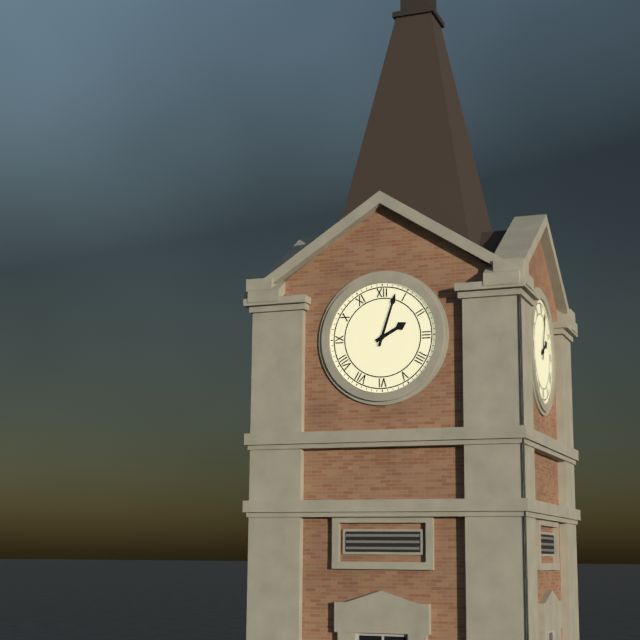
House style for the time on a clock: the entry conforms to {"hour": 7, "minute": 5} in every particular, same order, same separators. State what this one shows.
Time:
{"hour": 2, "minute": 3}
